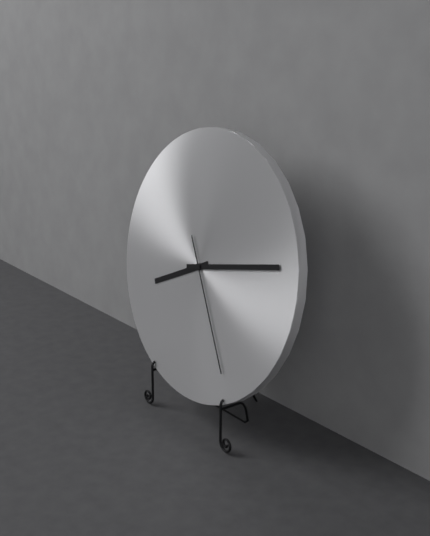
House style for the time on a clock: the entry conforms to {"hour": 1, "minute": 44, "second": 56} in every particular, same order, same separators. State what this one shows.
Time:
{"hour": 8, "minute": 13, "second": 25}
